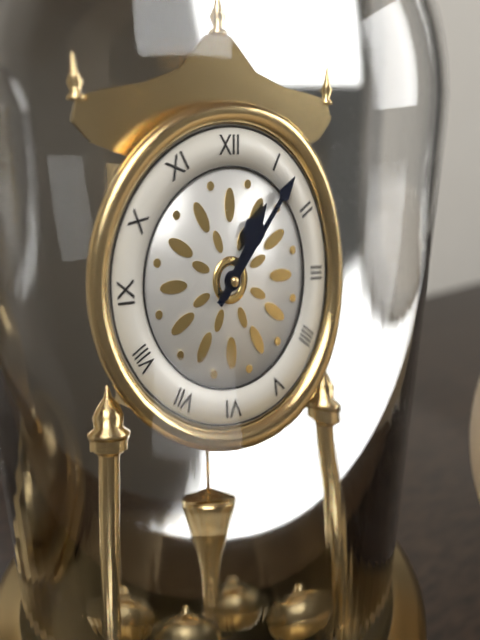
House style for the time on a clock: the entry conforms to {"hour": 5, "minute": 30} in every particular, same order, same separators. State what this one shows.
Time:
{"hour": 1, "minute": 7}
